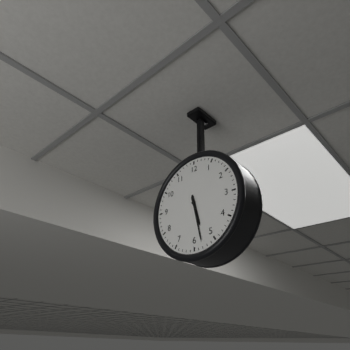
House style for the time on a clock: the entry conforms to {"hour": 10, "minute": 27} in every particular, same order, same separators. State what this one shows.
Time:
{"hour": 5, "minute": 28}
